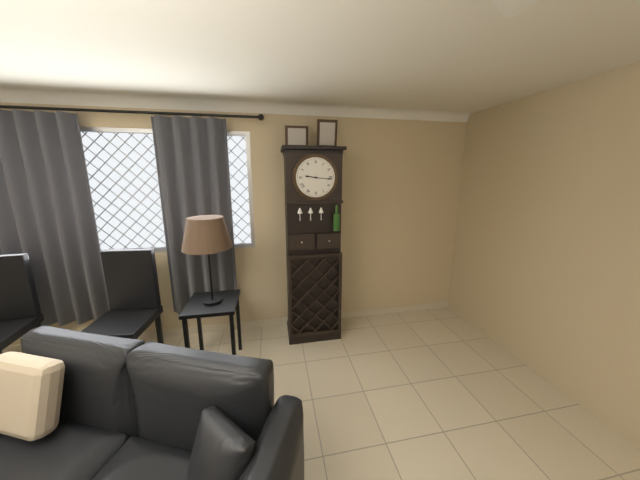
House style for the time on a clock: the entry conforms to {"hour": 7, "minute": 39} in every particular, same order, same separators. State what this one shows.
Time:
{"hour": 9, "minute": 16}
